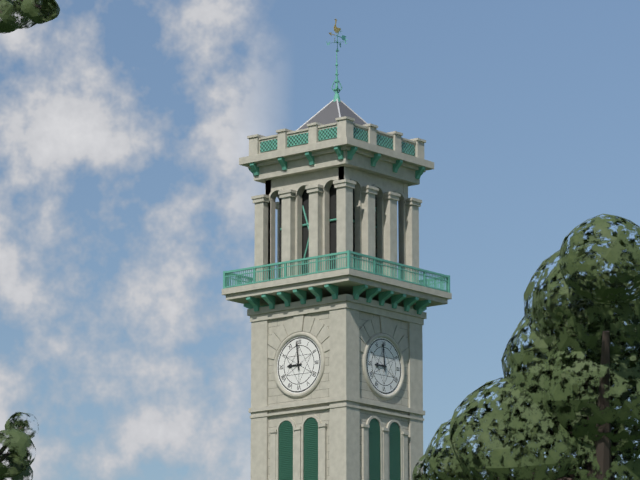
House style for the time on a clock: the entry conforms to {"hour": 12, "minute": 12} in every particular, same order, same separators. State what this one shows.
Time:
{"hour": 8, "minute": 59}
